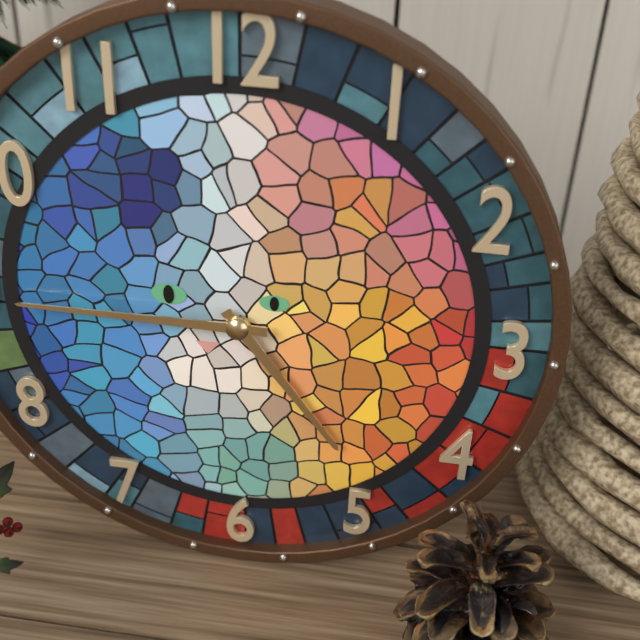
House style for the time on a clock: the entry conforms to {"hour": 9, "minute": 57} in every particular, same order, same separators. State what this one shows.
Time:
{"hour": 4, "minute": 45}
